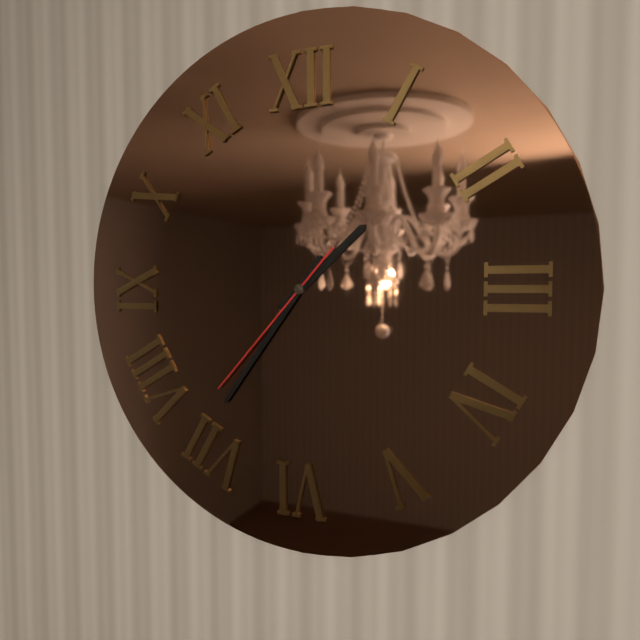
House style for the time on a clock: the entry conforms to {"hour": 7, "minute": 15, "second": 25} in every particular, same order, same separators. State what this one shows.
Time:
{"hour": 1, "minute": 36, "second": 37}
